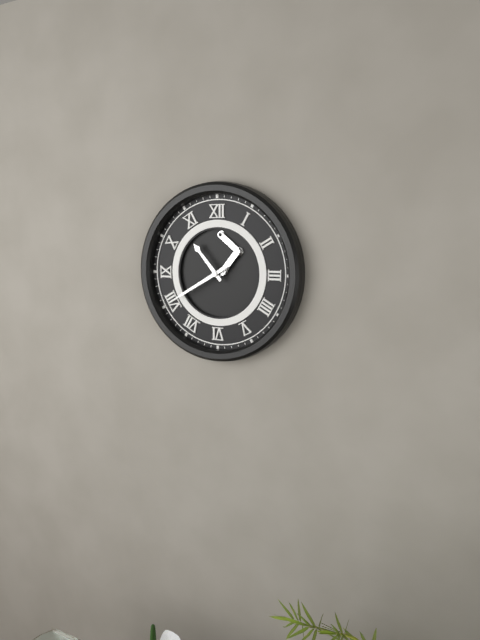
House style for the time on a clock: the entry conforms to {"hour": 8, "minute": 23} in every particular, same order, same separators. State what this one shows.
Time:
{"hour": 10, "minute": 40}
